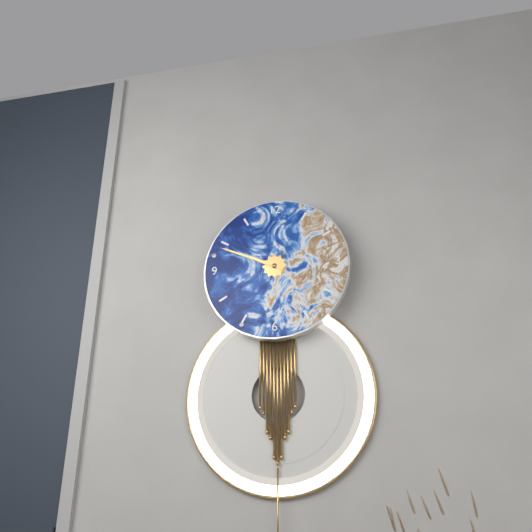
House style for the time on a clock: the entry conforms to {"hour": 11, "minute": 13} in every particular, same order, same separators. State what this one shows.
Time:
{"hour": 9, "minute": 49}
